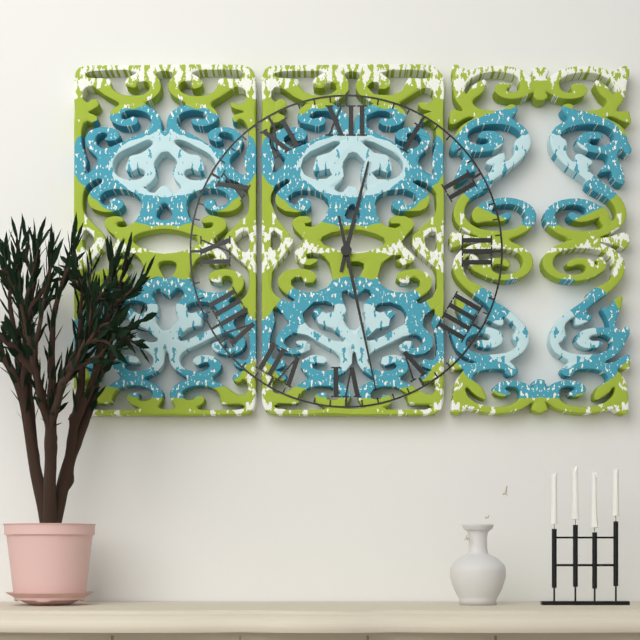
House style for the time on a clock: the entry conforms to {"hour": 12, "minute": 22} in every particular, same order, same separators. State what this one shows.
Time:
{"hour": 12, "minute": 28}
